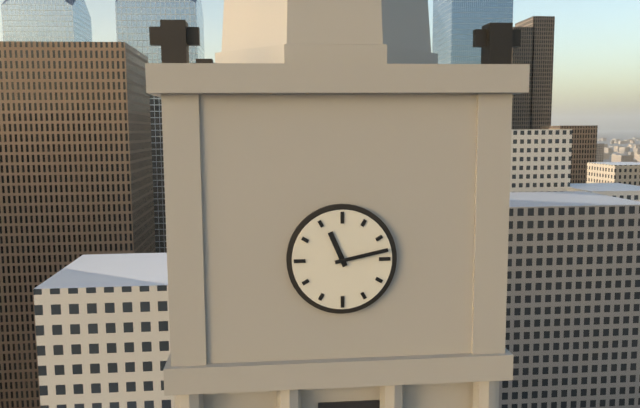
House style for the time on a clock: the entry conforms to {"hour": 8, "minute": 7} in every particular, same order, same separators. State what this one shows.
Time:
{"hour": 11, "minute": 13}
